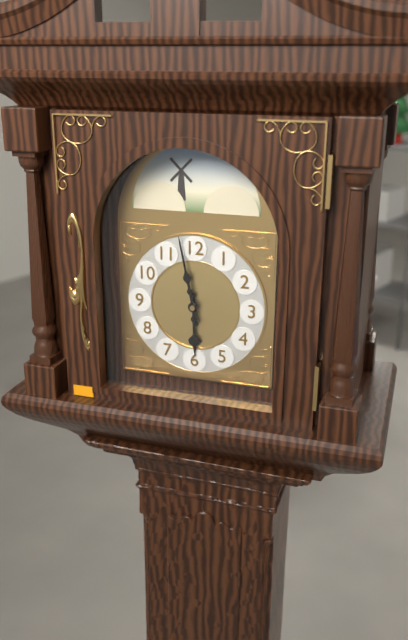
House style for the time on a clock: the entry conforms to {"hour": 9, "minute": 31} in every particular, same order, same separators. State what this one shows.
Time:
{"hour": 5, "minute": 58}
